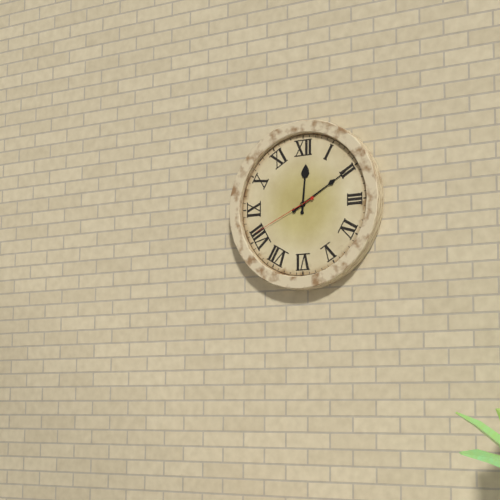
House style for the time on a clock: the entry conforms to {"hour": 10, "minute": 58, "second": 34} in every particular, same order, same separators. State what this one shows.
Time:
{"hour": 12, "minute": 10, "second": 41}
